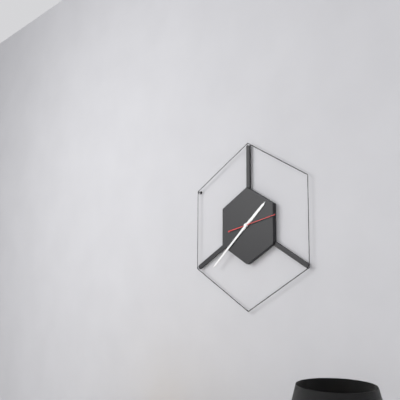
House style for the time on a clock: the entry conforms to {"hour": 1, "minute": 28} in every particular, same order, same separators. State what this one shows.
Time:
{"hour": 1, "minute": 38}
